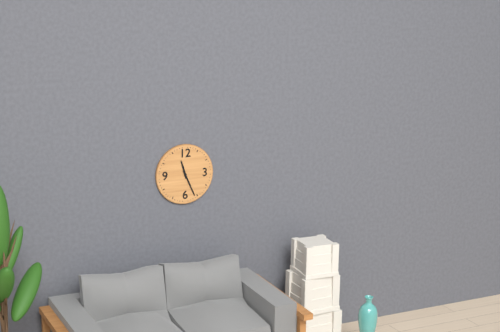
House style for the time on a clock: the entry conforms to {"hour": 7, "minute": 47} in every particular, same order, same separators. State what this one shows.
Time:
{"hour": 11, "minute": 26}
